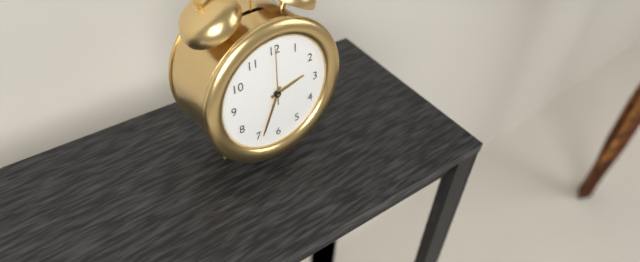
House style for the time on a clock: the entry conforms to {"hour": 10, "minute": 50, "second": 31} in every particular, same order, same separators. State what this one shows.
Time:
{"hour": 2, "minute": 34, "second": 0}
